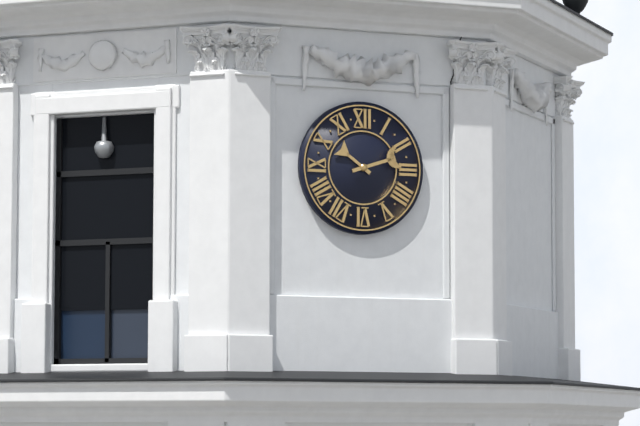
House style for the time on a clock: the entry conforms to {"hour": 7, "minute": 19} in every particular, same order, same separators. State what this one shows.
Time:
{"hour": 10, "minute": 12}
